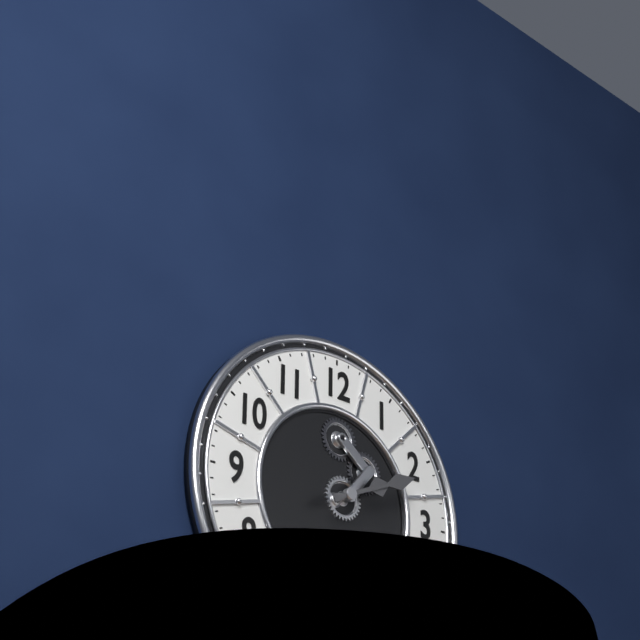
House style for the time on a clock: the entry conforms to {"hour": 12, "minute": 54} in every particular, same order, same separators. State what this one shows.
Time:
{"hour": 2, "minute": 11}
